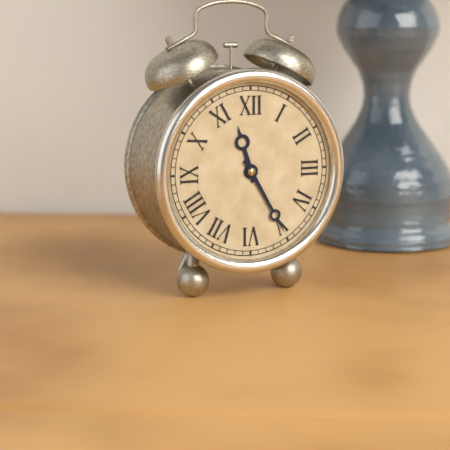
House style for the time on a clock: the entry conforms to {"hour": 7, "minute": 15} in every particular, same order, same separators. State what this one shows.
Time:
{"hour": 11, "minute": 25}
